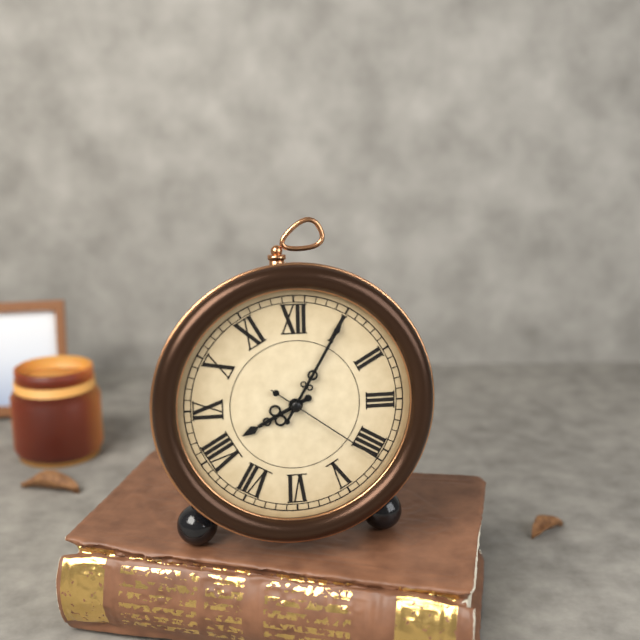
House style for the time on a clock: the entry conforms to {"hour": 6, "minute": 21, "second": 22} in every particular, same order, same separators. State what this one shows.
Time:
{"hour": 8, "minute": 5, "second": 21}
